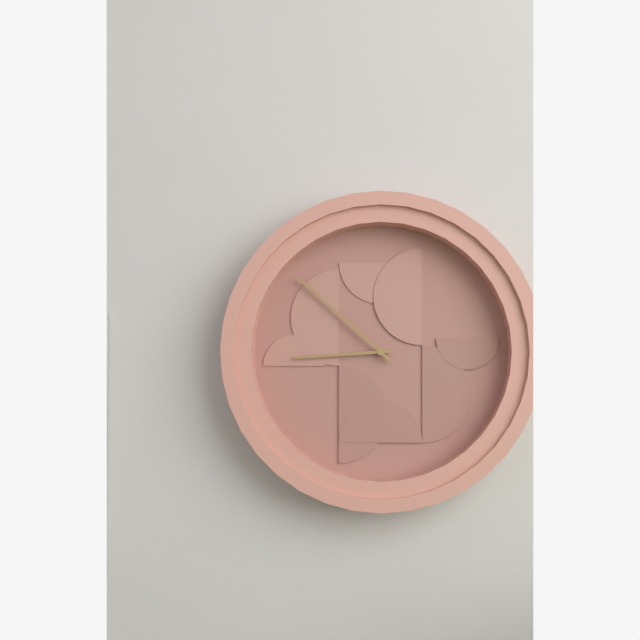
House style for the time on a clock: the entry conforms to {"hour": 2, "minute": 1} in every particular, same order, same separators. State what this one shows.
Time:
{"hour": 8, "minute": 52}
